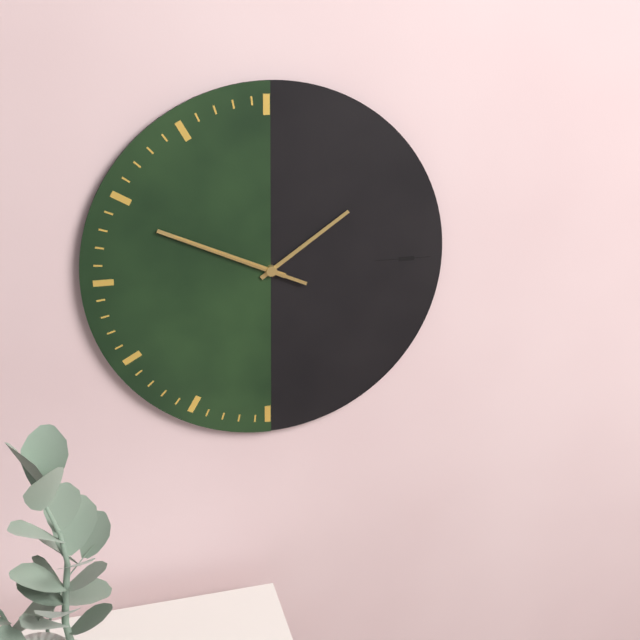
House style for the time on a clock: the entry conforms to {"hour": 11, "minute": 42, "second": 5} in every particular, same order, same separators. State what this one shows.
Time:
{"hour": 1, "minute": 49, "second": 49}
